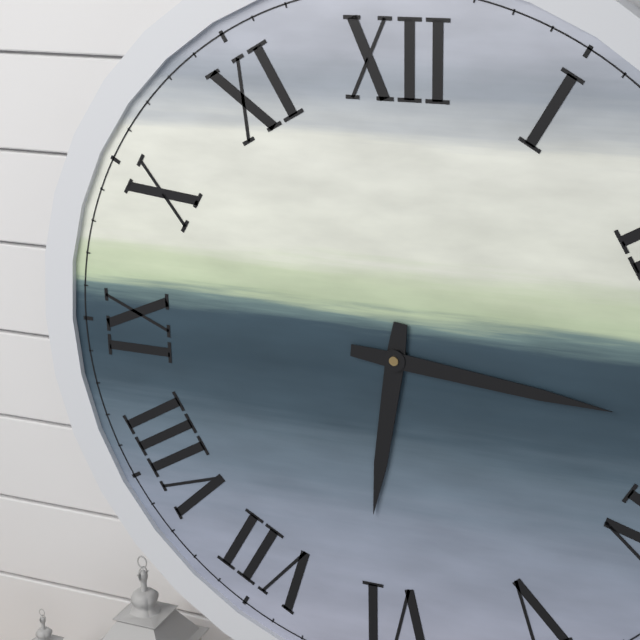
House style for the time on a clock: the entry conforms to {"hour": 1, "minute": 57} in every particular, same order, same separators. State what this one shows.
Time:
{"hour": 6, "minute": 16}
